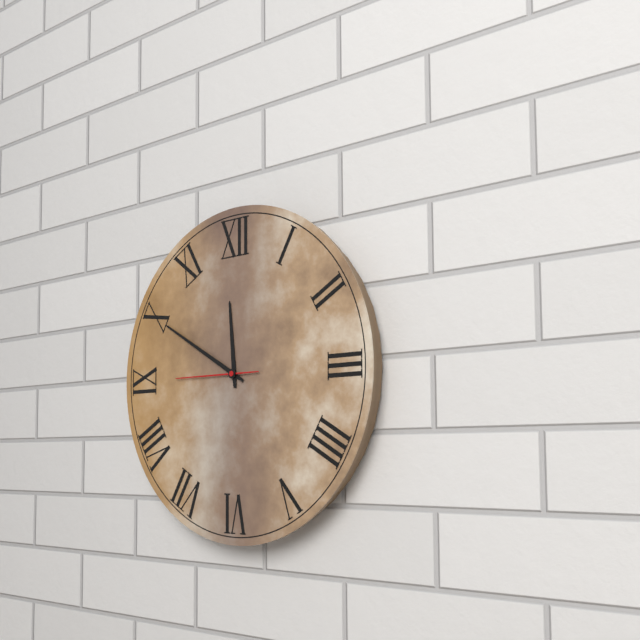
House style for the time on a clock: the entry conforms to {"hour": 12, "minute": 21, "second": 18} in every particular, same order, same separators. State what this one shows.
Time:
{"hour": 11, "minute": 50, "second": 45}
